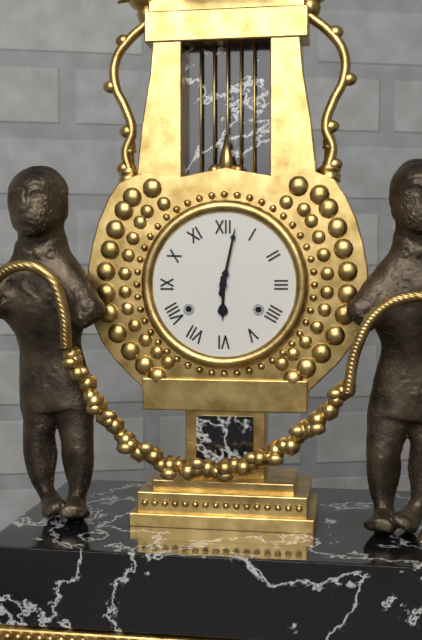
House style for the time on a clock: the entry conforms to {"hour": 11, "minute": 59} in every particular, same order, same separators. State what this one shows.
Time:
{"hour": 6, "minute": 2}
